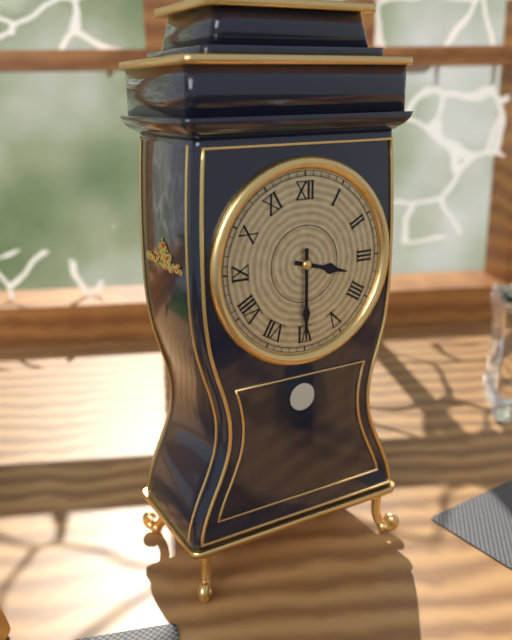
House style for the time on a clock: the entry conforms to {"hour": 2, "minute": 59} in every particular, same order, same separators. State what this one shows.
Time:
{"hour": 3, "minute": 30}
